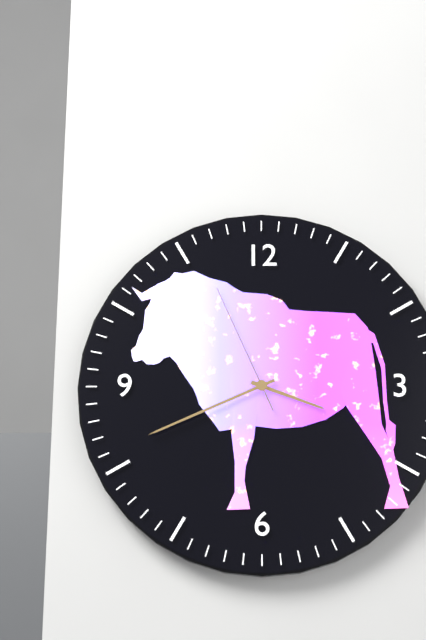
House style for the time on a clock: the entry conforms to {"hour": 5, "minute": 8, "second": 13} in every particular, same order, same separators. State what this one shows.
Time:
{"hour": 3, "minute": 41, "second": 56}
